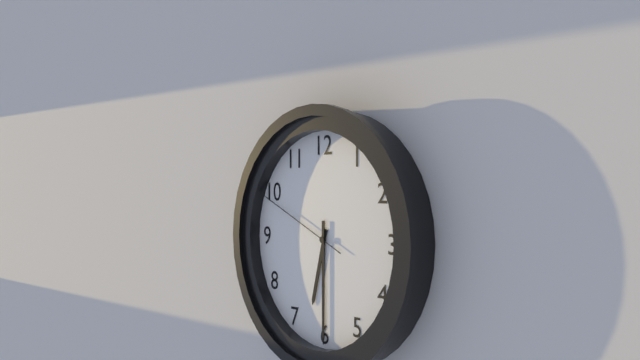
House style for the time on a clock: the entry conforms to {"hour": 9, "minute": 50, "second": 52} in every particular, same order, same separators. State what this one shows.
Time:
{"hour": 6, "minute": 30, "second": 49}
